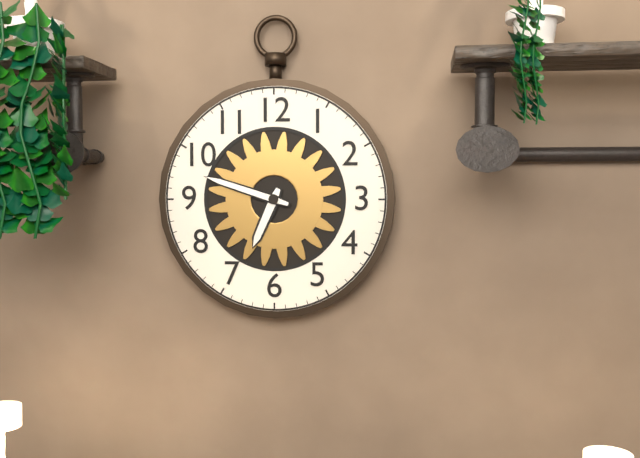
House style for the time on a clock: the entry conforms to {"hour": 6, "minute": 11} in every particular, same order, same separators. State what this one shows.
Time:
{"hour": 6, "minute": 48}
